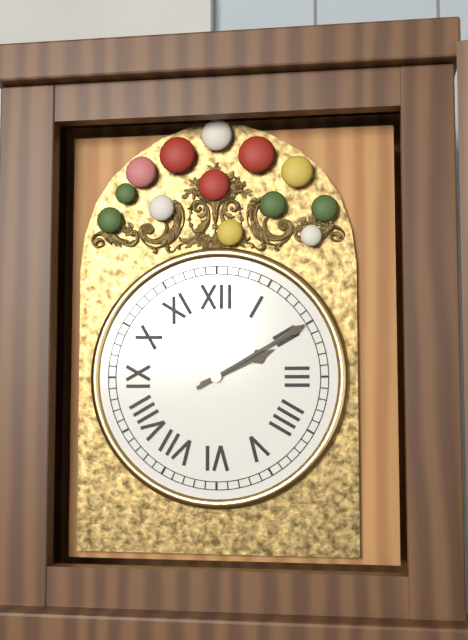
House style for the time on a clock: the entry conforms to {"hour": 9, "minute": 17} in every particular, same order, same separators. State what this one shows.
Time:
{"hour": 2, "minute": 10}
